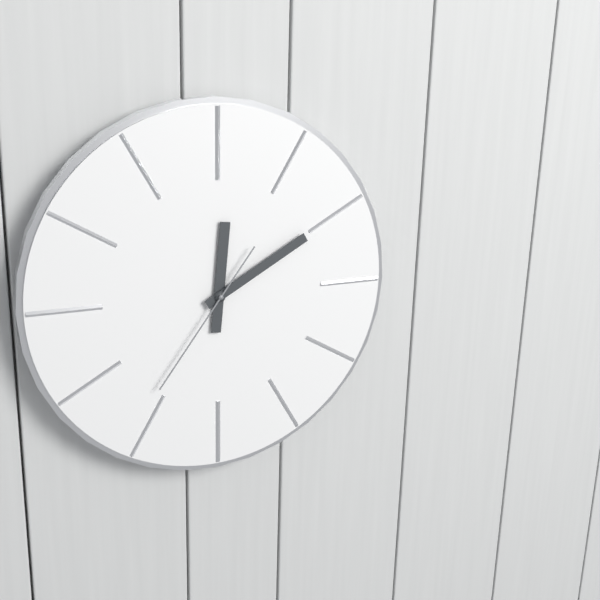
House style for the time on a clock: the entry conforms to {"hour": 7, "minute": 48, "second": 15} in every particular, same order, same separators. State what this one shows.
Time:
{"hour": 12, "minute": 10, "second": 36}
